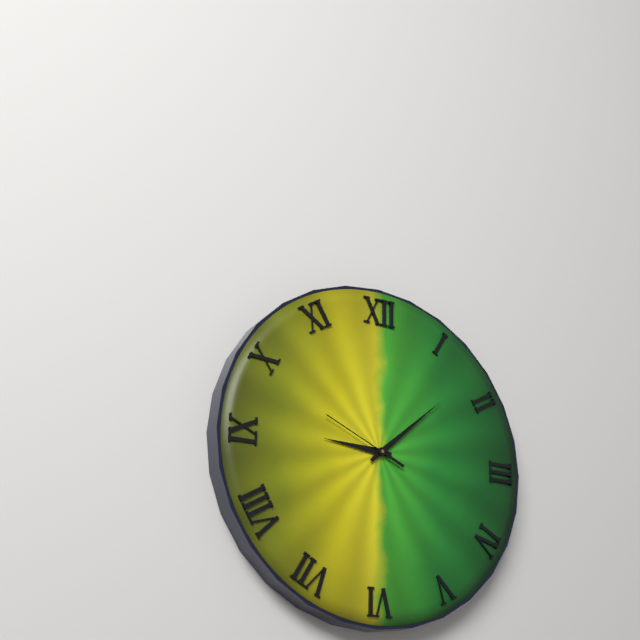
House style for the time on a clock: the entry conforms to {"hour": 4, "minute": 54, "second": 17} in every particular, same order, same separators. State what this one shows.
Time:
{"hour": 9, "minute": 8, "second": 49}
